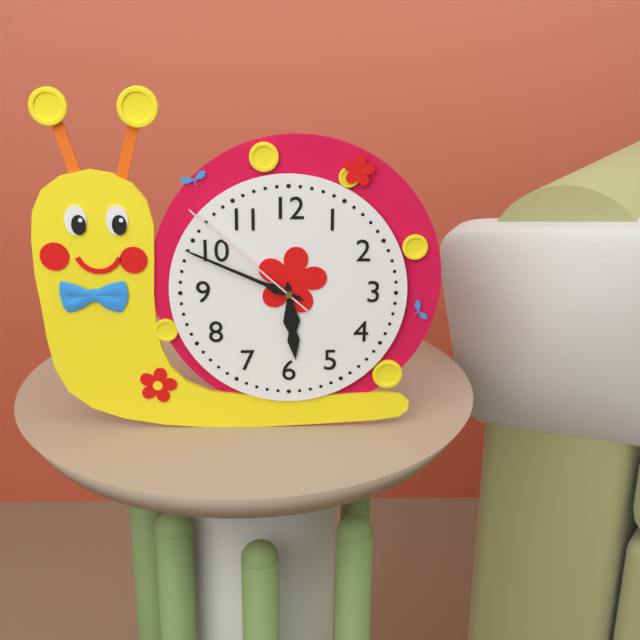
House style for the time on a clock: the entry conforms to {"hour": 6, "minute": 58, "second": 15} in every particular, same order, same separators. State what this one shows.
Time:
{"hour": 5, "minute": 49, "second": 52}
